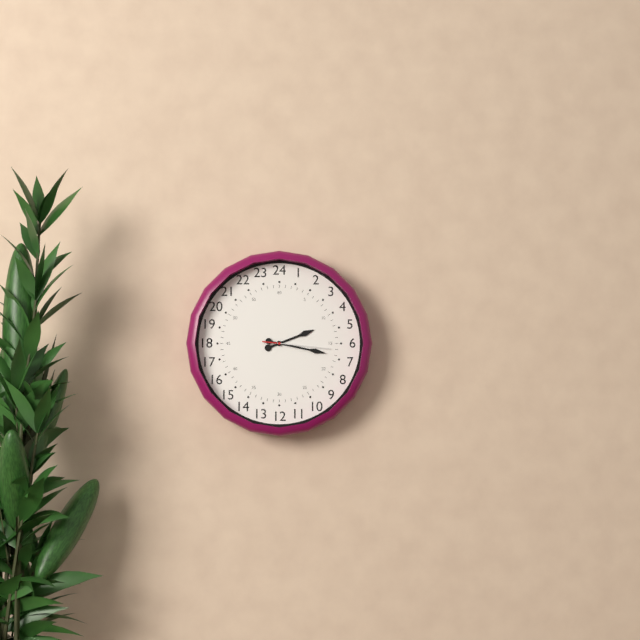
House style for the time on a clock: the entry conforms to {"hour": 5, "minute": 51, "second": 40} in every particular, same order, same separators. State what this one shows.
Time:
{"hour": 2, "minute": 17, "second": 16}
